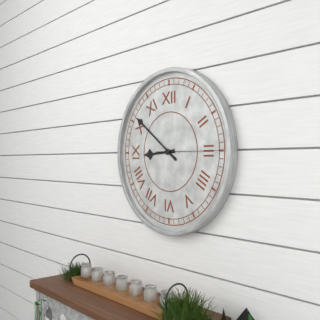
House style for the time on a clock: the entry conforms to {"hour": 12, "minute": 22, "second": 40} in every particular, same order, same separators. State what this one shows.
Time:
{"hour": 8, "minute": 51, "second": 15}
